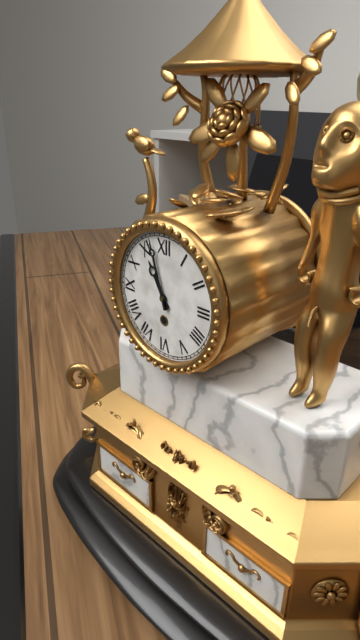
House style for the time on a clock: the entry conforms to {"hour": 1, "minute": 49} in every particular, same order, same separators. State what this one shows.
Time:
{"hour": 10, "minute": 57}
